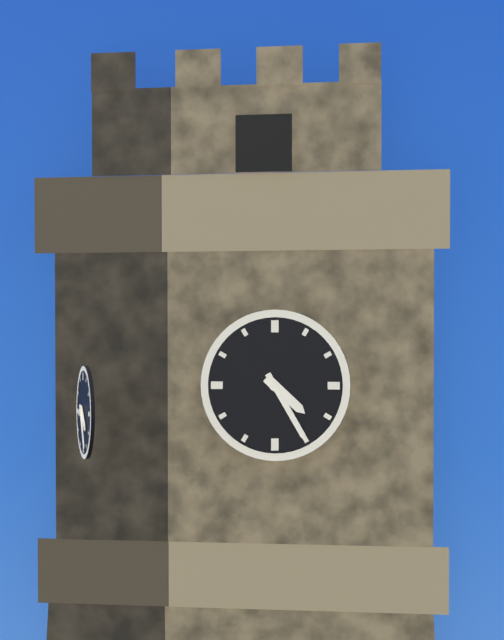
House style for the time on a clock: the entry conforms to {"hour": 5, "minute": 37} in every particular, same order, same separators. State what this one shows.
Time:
{"hour": 4, "minute": 25}
